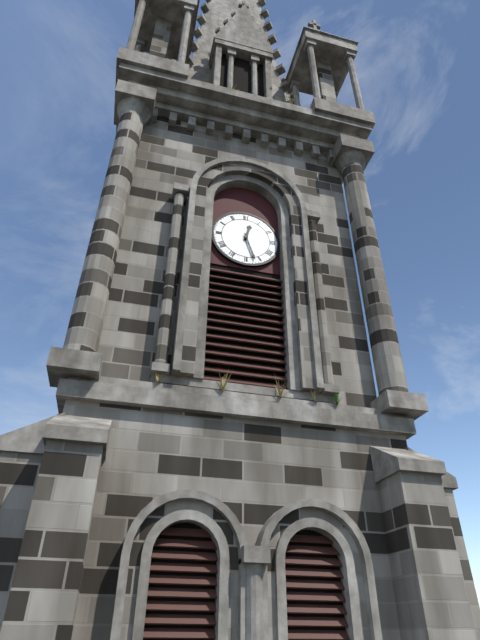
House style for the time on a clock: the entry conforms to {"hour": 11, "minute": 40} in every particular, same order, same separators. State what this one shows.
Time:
{"hour": 12, "minute": 27}
